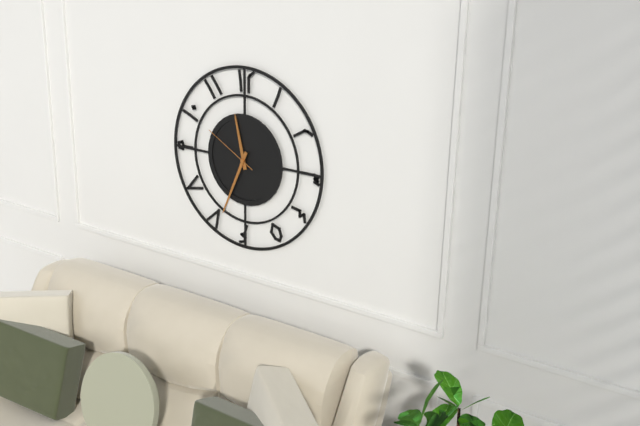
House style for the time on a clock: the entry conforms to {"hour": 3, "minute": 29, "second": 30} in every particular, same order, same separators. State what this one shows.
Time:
{"hour": 11, "minute": 34, "second": 50}
